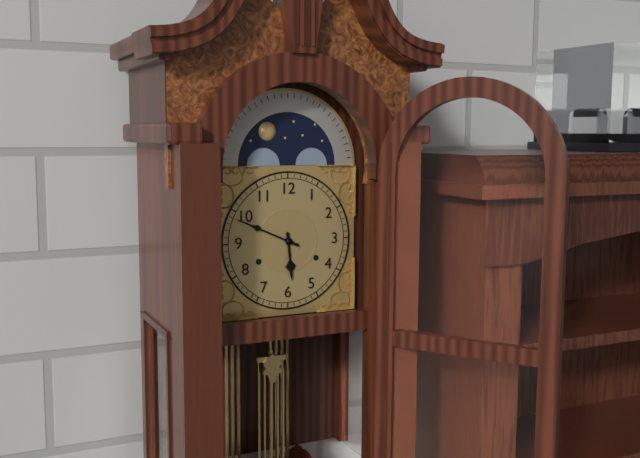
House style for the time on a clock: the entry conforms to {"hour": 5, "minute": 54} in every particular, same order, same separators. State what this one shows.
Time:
{"hour": 5, "minute": 49}
